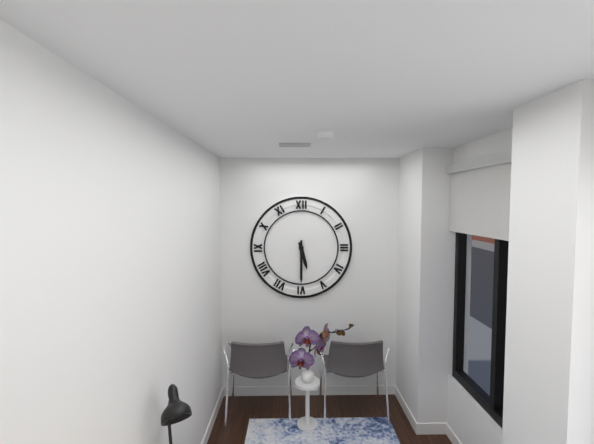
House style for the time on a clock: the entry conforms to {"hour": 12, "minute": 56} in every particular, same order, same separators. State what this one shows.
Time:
{"hour": 5, "minute": 30}
